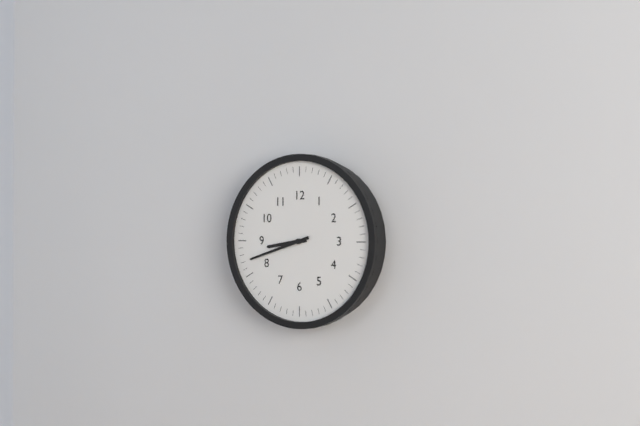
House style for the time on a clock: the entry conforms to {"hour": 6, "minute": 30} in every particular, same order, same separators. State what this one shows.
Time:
{"hour": 8, "minute": 42}
